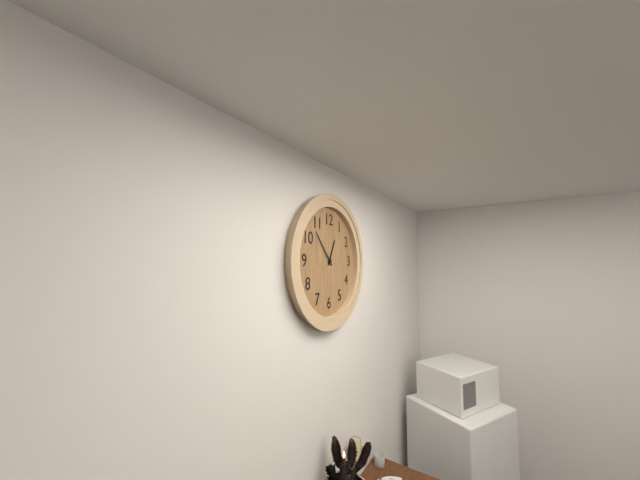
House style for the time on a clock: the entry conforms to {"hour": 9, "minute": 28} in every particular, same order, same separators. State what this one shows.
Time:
{"hour": 12, "minute": 53}
